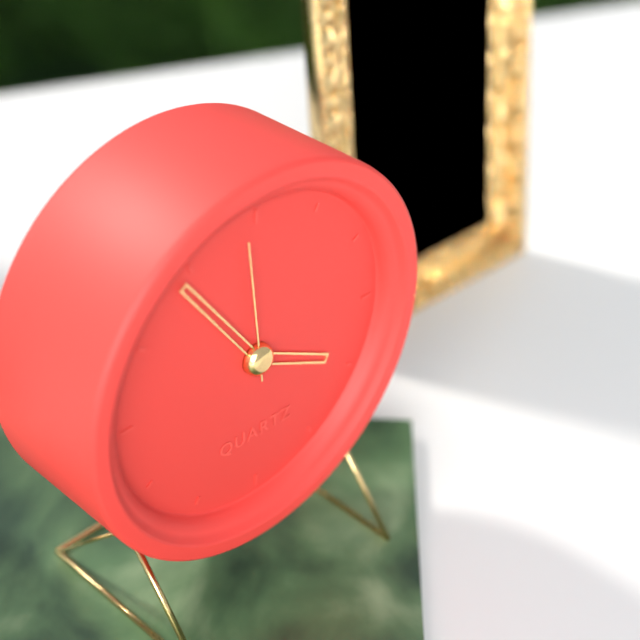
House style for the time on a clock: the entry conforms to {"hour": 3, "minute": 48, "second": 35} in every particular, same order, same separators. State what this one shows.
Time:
{"hour": 3, "minute": 54, "second": 59}
